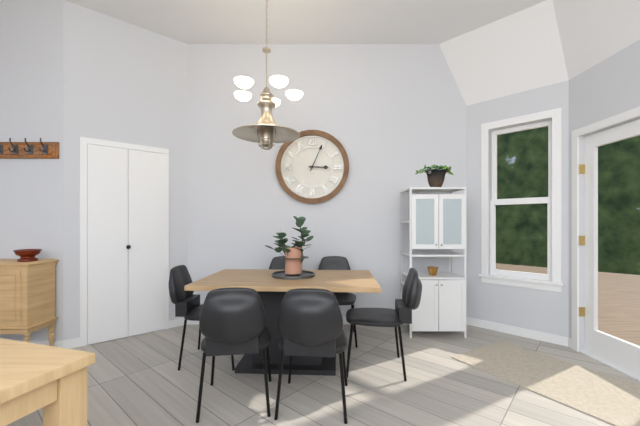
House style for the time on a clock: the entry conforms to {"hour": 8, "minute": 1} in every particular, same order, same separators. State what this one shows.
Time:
{"hour": 3, "minute": 4}
